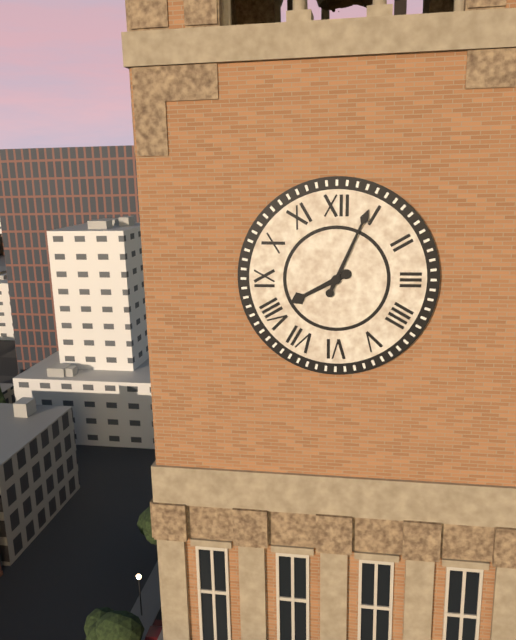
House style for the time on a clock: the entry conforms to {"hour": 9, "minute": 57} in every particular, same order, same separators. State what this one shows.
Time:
{"hour": 8, "minute": 4}
